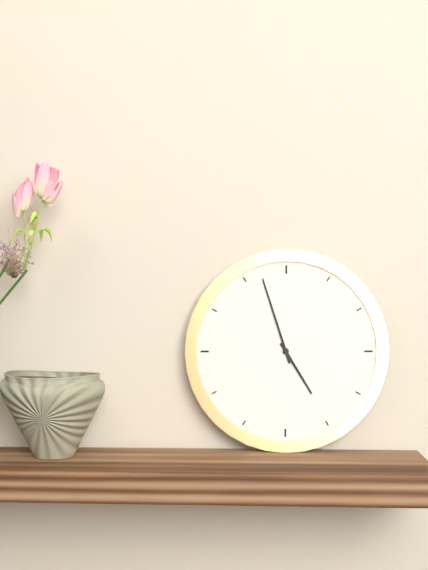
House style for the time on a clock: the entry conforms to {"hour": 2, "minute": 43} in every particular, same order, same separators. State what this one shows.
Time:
{"hour": 4, "minute": 57}
